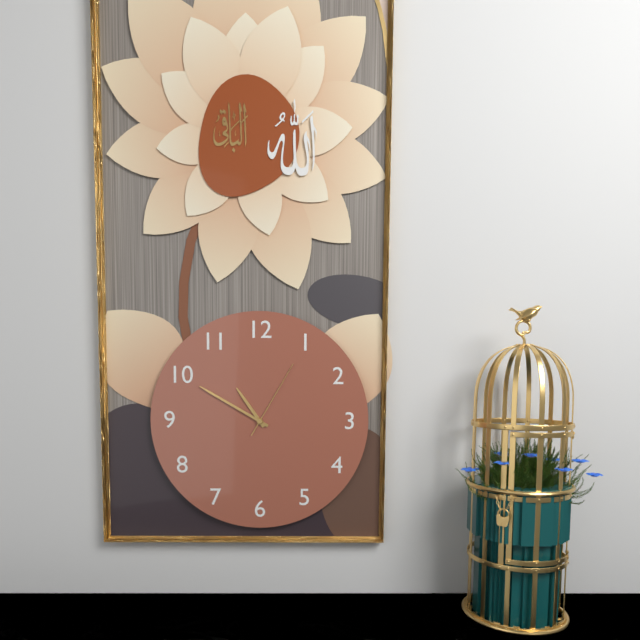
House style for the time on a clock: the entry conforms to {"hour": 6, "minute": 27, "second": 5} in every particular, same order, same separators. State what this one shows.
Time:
{"hour": 10, "minute": 50, "second": 5}
